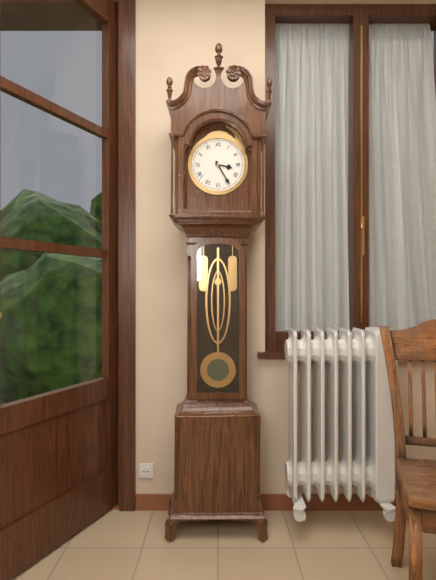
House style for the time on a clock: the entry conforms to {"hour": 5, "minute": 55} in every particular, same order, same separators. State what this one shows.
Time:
{"hour": 3, "minute": 25}
